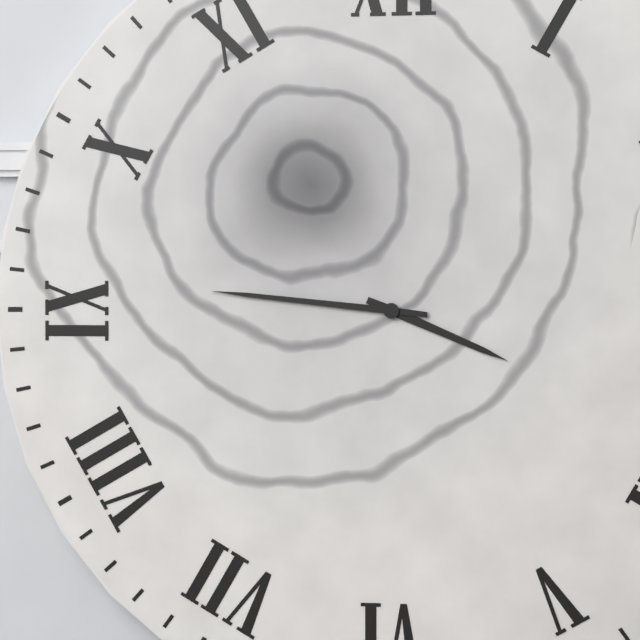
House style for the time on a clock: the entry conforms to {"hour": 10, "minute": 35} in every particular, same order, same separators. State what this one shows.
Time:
{"hour": 3, "minute": 46}
